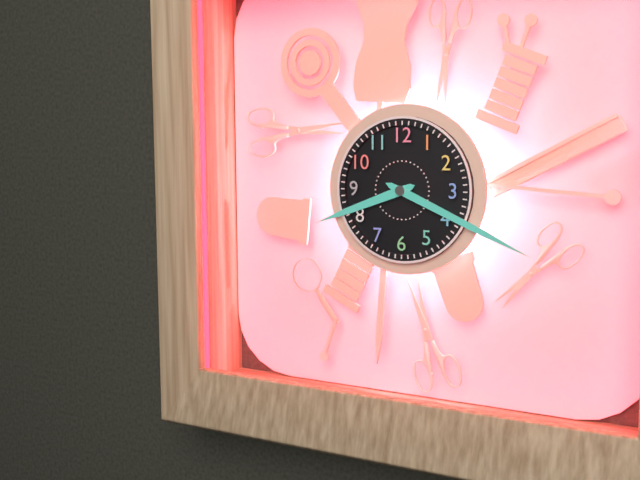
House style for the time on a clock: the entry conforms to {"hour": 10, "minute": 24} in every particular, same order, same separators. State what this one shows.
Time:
{"hour": 8, "minute": 19}
